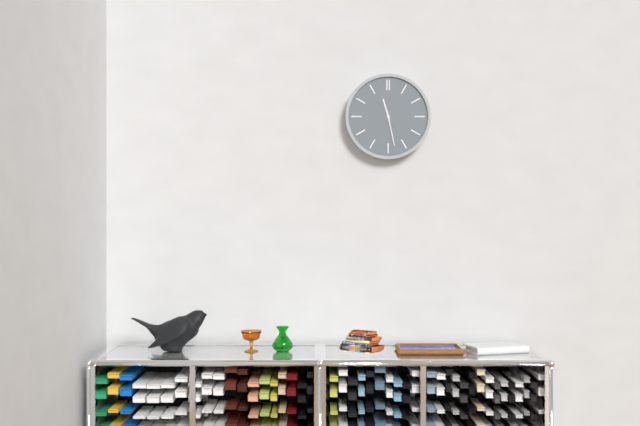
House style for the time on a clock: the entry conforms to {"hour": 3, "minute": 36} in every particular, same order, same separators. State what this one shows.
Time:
{"hour": 11, "minute": 28}
